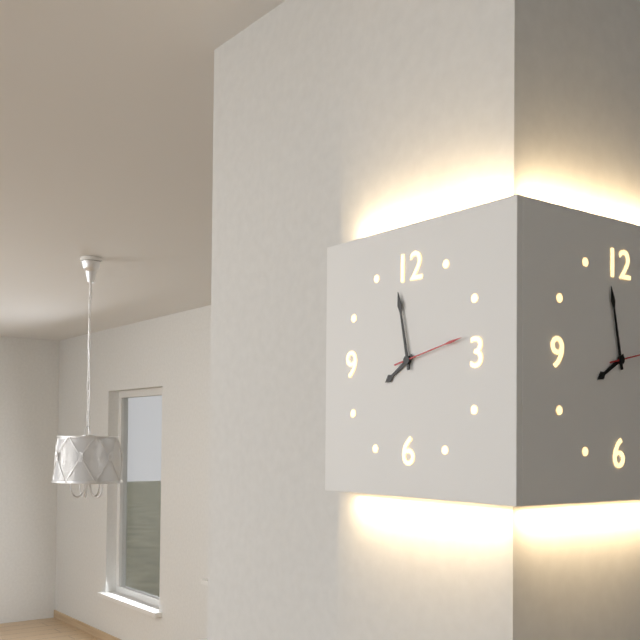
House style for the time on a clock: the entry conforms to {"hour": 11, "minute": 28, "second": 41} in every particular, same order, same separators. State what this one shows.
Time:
{"hour": 7, "minute": 58, "second": 13}
